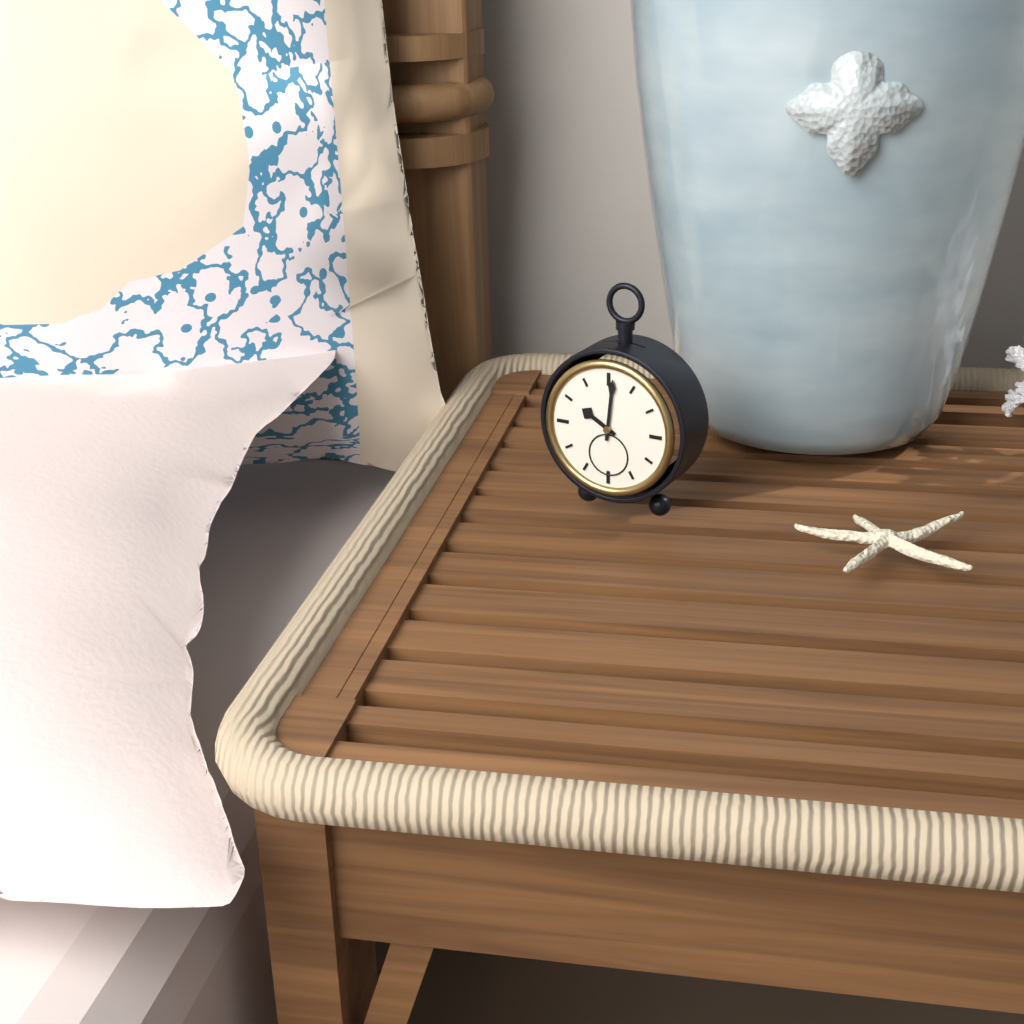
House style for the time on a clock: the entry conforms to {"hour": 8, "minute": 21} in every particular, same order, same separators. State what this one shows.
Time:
{"hour": 10, "minute": 1}
